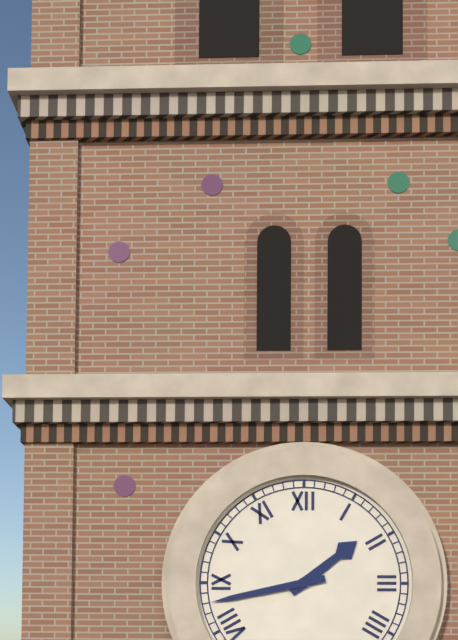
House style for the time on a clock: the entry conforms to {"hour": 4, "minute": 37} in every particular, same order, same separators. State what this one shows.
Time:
{"hour": 1, "minute": 43}
